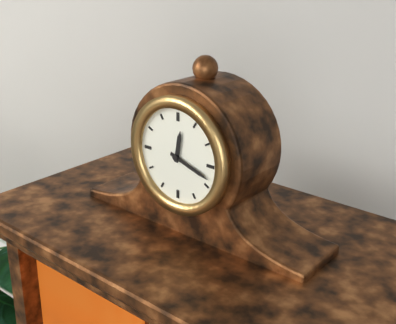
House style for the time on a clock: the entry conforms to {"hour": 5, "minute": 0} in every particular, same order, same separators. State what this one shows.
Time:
{"hour": 12, "minute": 18}
